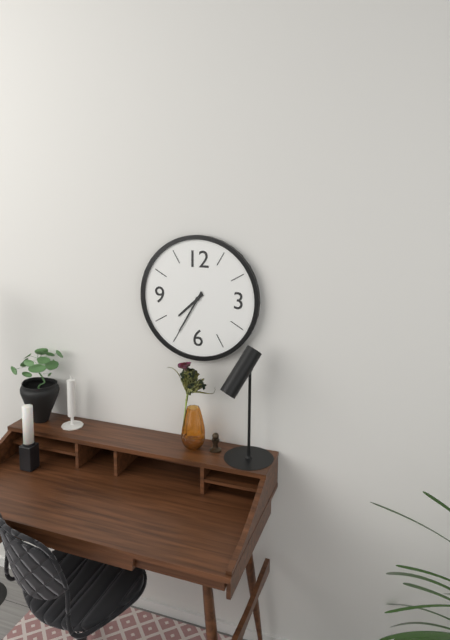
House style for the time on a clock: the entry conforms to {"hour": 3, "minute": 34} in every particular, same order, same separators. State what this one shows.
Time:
{"hour": 7, "minute": 35}
